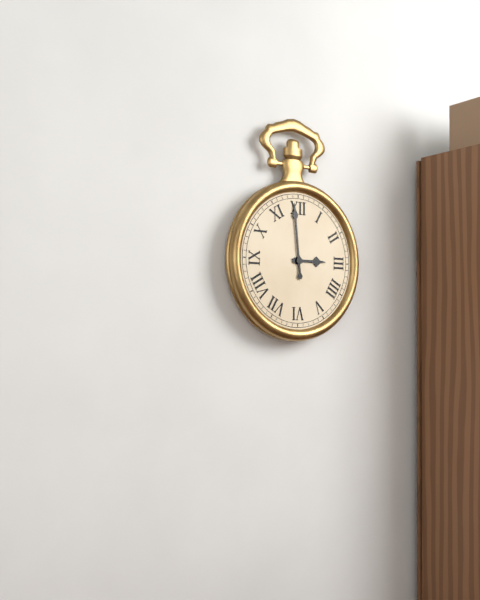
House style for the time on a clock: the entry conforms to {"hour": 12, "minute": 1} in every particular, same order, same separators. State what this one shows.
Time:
{"hour": 2, "minute": 59}
